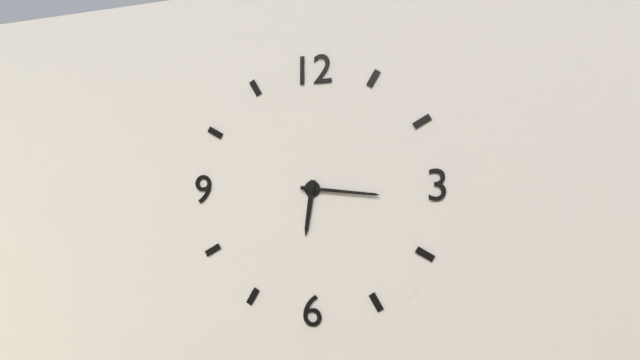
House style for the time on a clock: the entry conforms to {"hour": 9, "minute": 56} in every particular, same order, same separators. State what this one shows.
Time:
{"hour": 6, "minute": 16}
